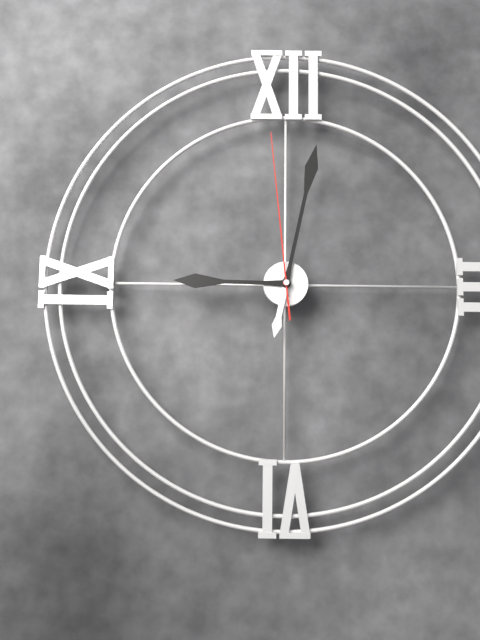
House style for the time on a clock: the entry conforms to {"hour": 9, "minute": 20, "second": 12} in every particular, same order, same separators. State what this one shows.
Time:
{"hour": 9, "minute": 2, "second": 59}
